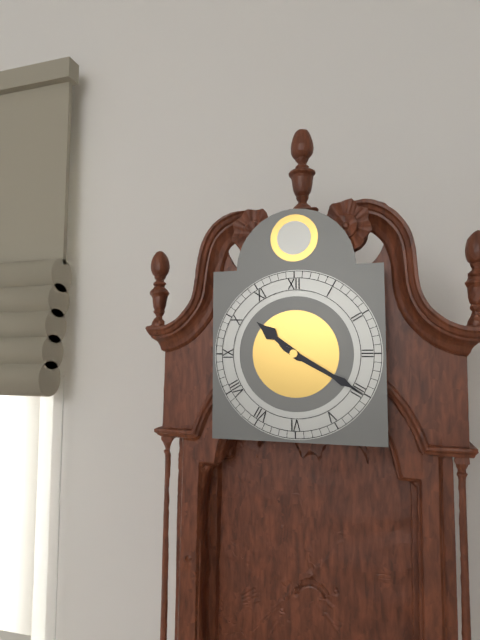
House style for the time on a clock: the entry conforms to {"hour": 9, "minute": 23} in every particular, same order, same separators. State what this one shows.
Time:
{"hour": 10, "minute": 20}
